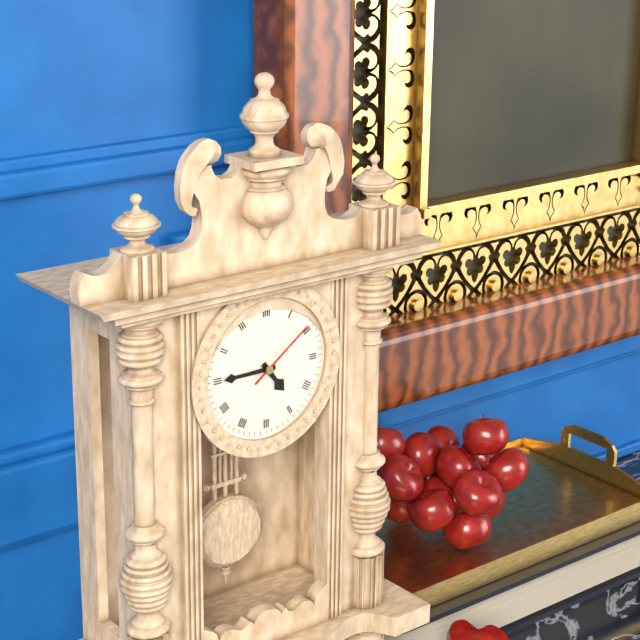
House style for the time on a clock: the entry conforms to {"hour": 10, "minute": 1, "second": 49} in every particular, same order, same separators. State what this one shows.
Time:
{"hour": 4, "minute": 45, "second": 9}
